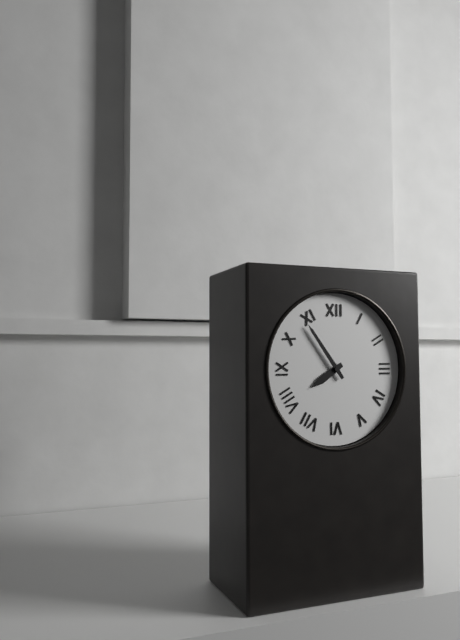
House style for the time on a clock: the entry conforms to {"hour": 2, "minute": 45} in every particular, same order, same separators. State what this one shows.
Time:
{"hour": 7, "minute": 54}
